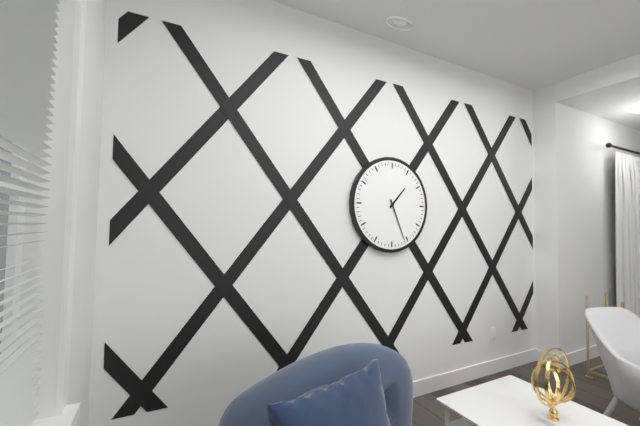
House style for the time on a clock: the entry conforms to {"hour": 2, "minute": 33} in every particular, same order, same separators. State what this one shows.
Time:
{"hour": 1, "minute": 26}
